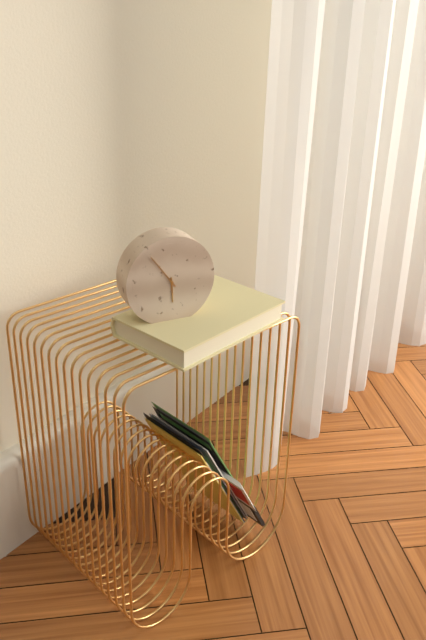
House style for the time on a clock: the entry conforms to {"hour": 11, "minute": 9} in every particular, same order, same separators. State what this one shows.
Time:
{"hour": 5, "minute": 54}
